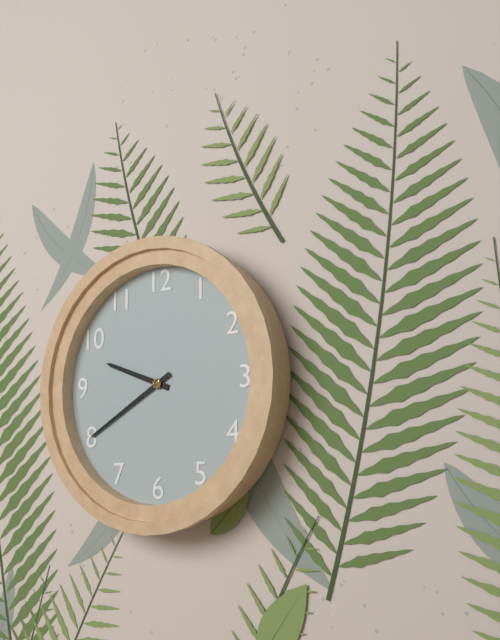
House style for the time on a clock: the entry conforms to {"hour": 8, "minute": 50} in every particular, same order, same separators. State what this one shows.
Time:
{"hour": 9, "minute": 40}
